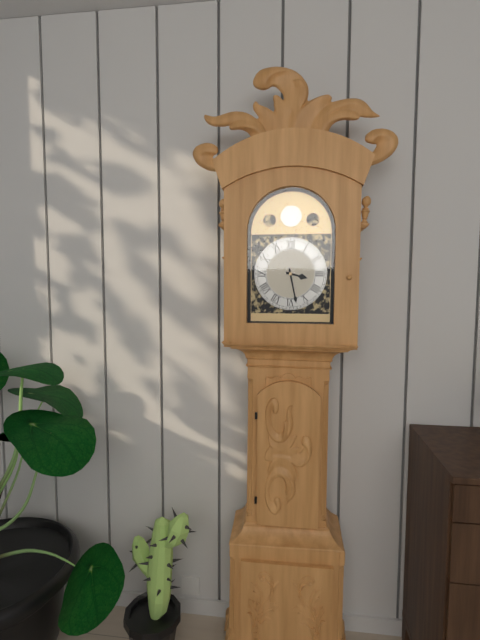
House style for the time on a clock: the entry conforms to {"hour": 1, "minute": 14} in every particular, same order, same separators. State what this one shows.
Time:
{"hour": 3, "minute": 28}
